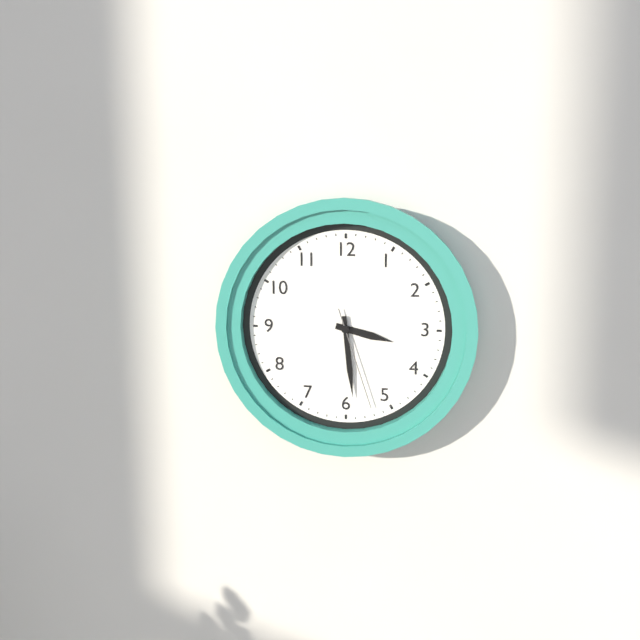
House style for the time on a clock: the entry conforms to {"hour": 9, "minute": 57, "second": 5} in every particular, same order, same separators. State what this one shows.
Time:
{"hour": 3, "minute": 29, "second": 27}
